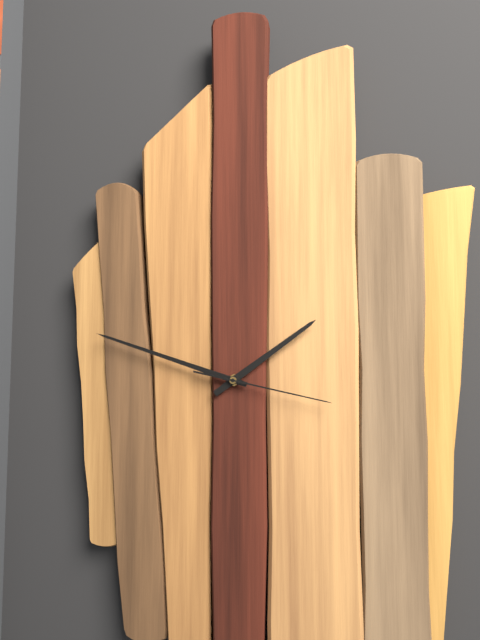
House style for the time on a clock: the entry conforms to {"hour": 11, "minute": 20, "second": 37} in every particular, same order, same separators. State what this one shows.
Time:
{"hour": 1, "minute": 48, "second": 17}
